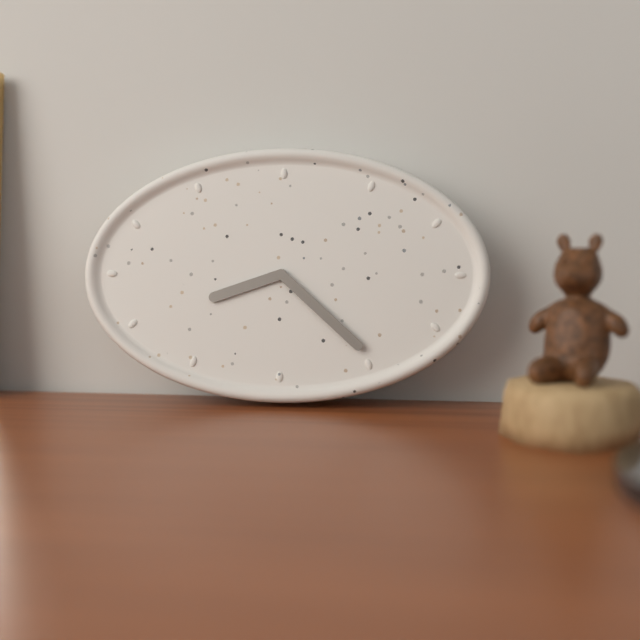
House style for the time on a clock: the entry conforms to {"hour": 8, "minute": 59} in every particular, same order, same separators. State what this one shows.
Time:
{"hour": 8, "minute": 22}
